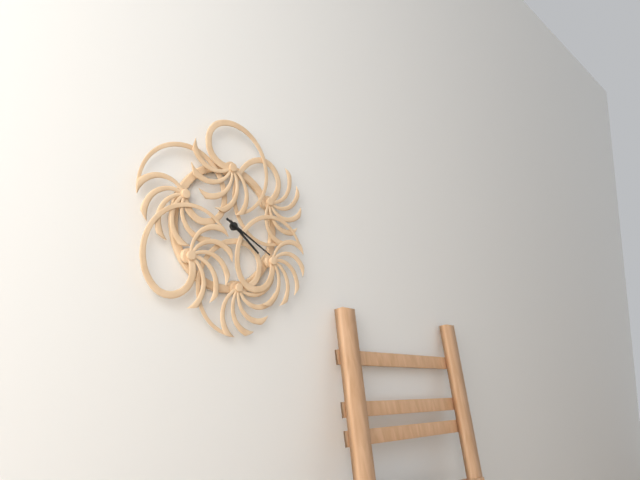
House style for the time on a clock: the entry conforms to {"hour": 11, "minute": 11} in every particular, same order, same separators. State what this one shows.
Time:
{"hour": 4, "minute": 20}
